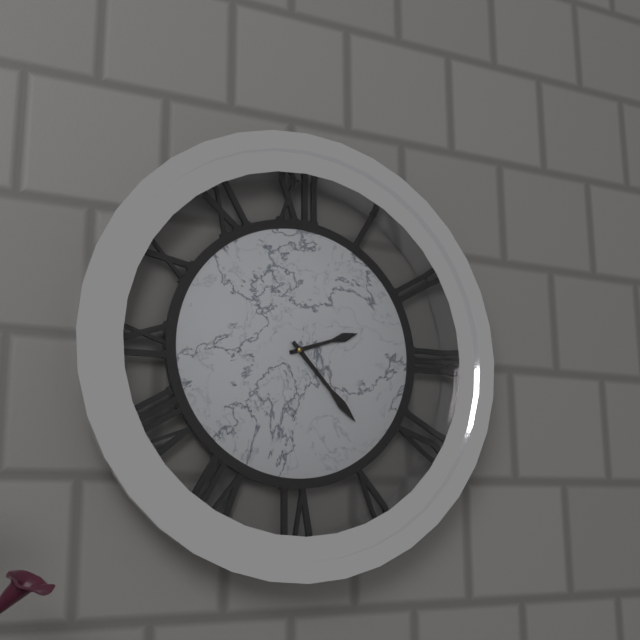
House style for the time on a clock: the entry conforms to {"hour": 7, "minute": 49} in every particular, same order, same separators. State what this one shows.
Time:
{"hour": 2, "minute": 23}
